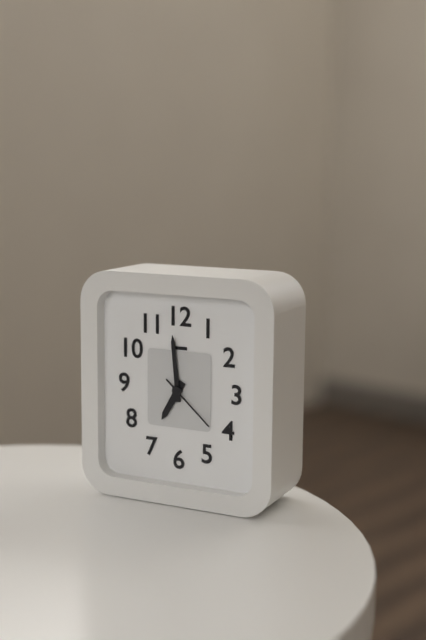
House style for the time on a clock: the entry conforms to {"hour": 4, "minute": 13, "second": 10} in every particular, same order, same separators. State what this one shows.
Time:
{"hour": 6, "minute": 59, "second": 22}
